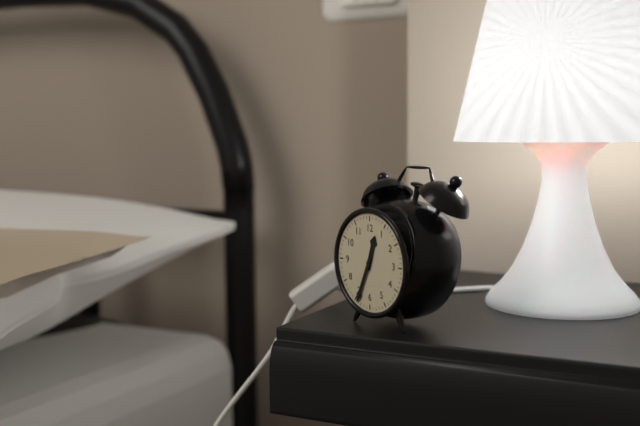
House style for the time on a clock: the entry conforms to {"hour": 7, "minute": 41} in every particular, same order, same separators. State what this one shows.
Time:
{"hour": 12, "minute": 34}
